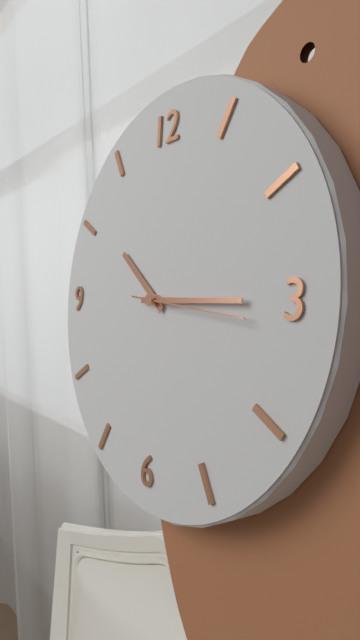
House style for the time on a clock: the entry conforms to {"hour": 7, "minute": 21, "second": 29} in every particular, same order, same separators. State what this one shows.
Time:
{"hour": 10, "minute": 15, "second": 16}
